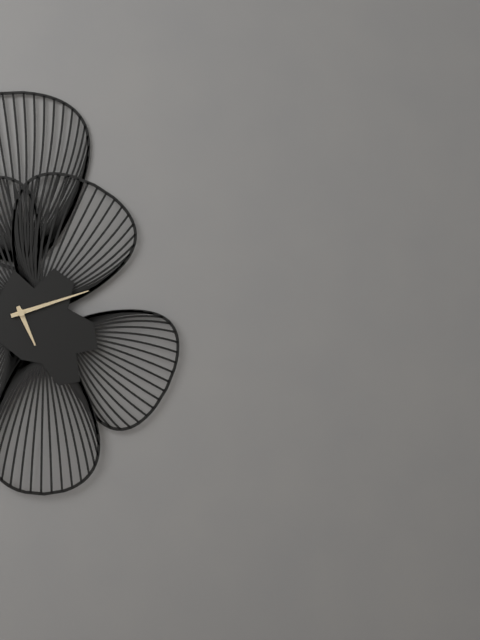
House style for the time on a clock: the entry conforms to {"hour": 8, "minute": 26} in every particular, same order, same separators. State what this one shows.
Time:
{"hour": 5, "minute": 12}
